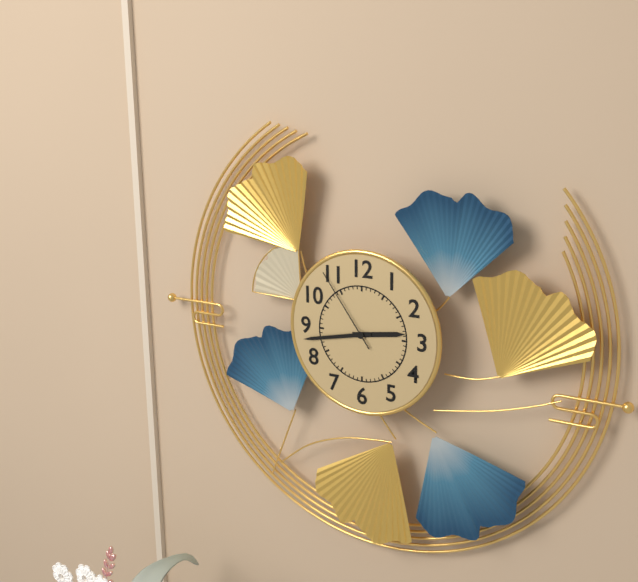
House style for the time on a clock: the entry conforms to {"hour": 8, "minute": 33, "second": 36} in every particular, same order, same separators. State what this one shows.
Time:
{"hour": 2, "minute": 43, "second": 54}
